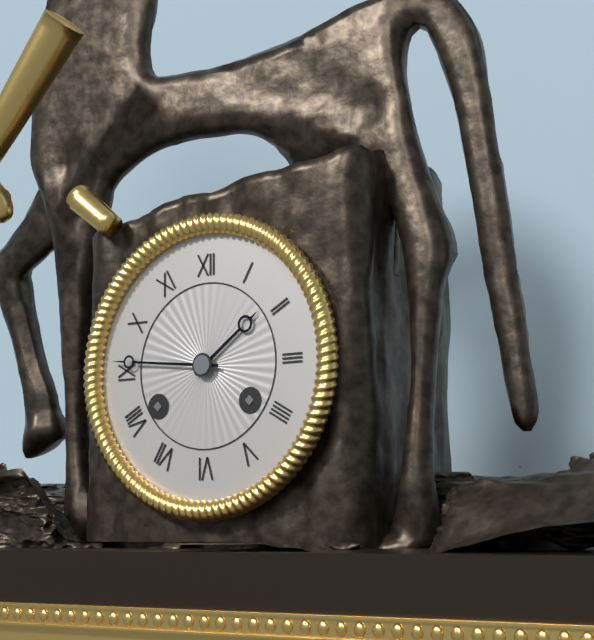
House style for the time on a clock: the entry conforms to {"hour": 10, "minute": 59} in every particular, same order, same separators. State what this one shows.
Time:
{"hour": 1, "minute": 46}
